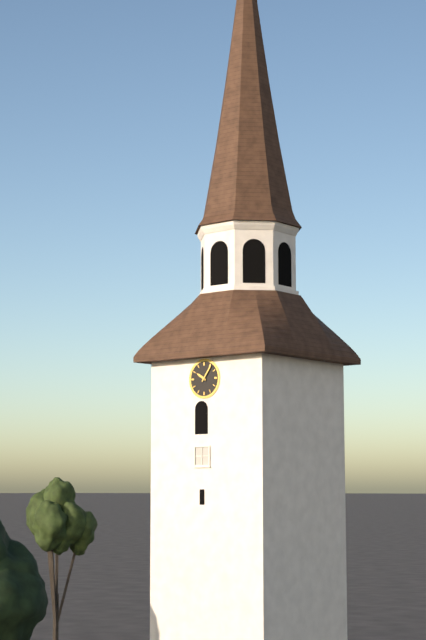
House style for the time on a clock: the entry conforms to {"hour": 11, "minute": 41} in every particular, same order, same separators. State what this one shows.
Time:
{"hour": 10, "minute": 6}
